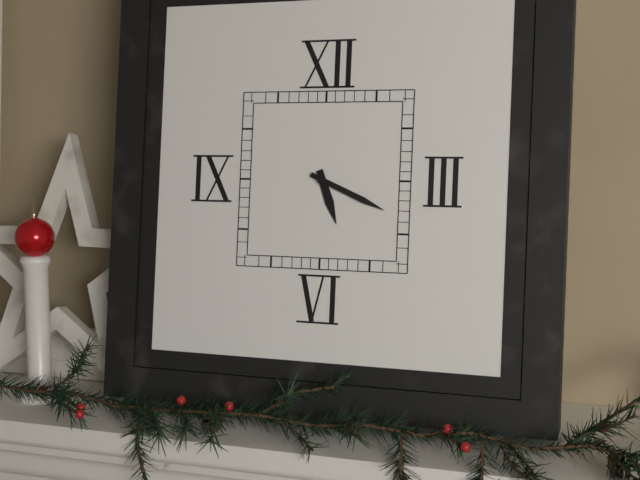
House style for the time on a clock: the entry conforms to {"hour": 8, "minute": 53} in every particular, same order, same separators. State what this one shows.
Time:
{"hour": 5, "minute": 19}
